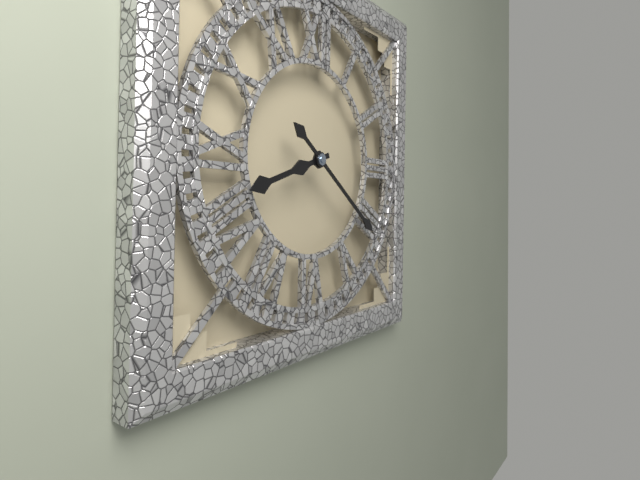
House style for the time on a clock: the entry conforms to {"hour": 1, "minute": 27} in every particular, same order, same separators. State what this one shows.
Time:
{"hour": 8, "minute": 21}
